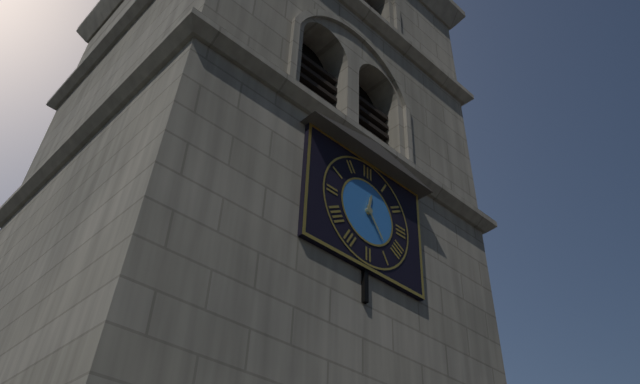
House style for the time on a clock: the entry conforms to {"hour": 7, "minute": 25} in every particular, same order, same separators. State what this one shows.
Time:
{"hour": 12, "minute": 24}
